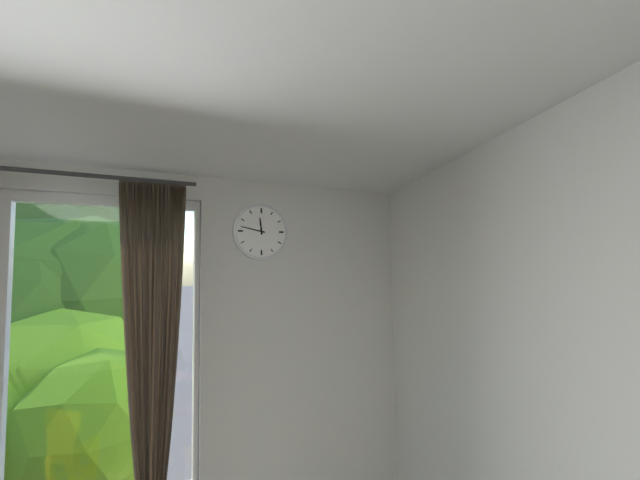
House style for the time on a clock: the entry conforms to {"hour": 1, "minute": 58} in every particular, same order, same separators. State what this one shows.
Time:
{"hour": 11, "minute": 47}
